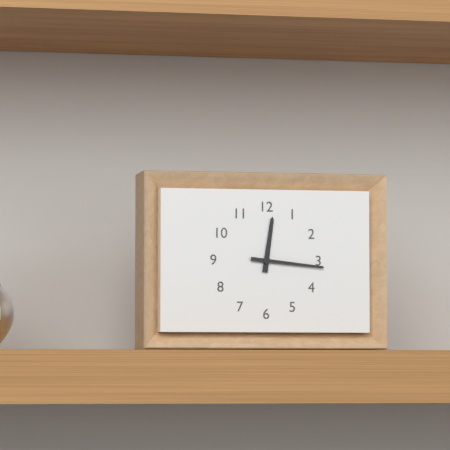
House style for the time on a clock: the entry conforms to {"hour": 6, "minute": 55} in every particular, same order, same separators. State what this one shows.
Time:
{"hour": 12, "minute": 16}
